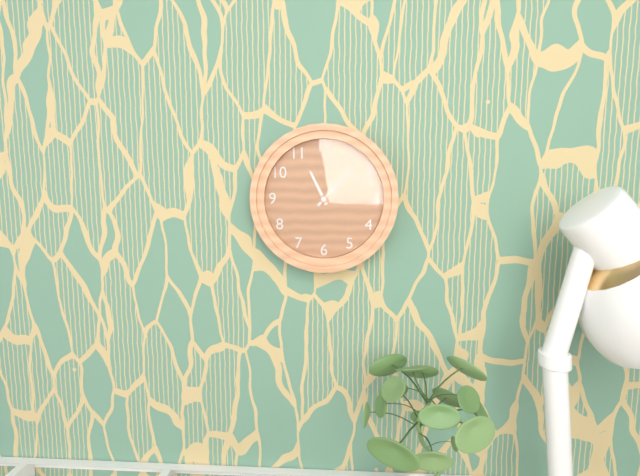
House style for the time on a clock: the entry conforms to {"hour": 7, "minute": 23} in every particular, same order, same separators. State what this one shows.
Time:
{"hour": 11, "minute": 7}
